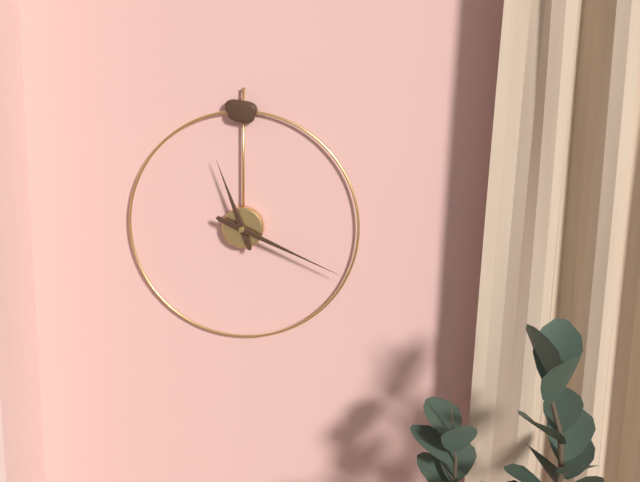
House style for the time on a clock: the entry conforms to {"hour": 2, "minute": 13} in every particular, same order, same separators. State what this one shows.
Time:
{"hour": 11, "minute": 19}
